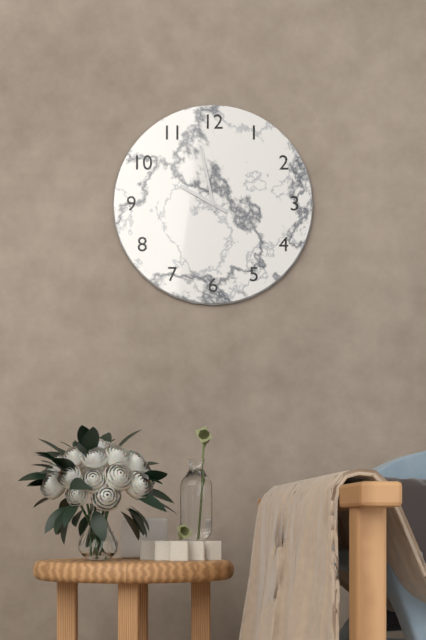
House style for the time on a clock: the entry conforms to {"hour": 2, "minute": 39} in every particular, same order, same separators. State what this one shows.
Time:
{"hour": 9, "minute": 58}
